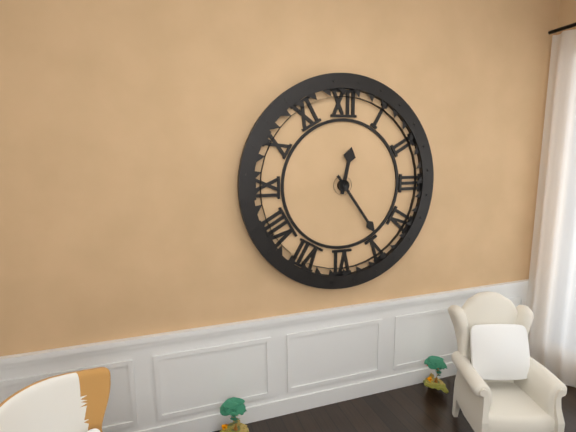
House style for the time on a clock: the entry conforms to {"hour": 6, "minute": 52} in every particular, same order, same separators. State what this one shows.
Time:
{"hour": 12, "minute": 24}
